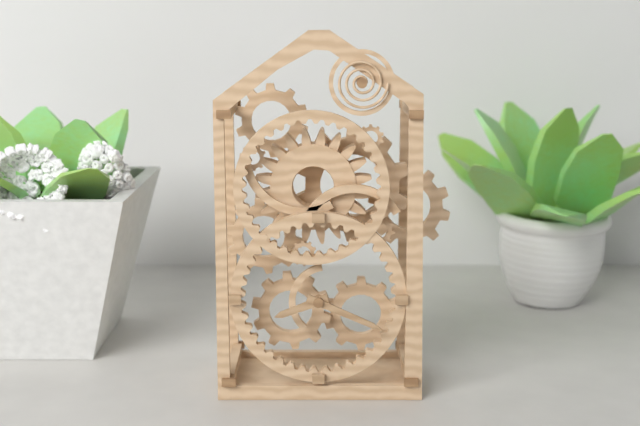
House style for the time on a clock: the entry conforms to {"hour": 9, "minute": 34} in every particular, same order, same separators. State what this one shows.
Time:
{"hour": 8, "minute": 19}
